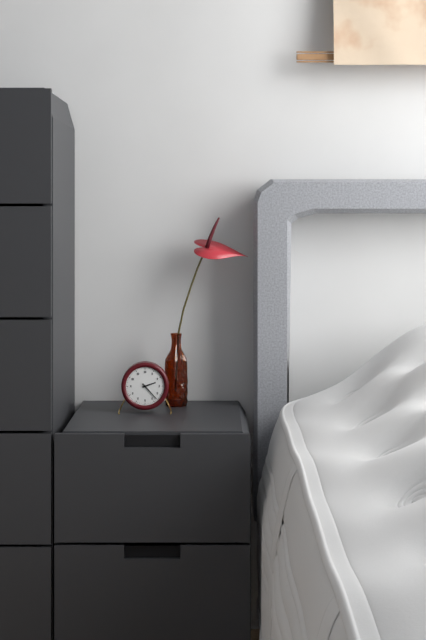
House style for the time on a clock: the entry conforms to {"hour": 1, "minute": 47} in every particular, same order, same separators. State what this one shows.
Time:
{"hour": 2, "minute": 23}
